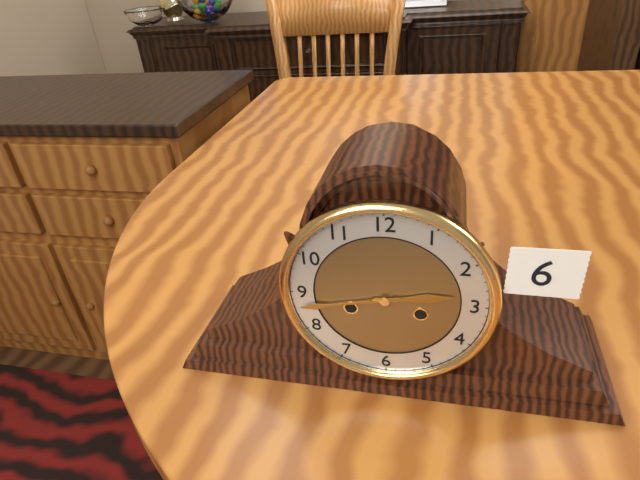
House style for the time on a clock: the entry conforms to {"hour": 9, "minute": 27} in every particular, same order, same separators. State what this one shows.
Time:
{"hour": 2, "minute": 43}
